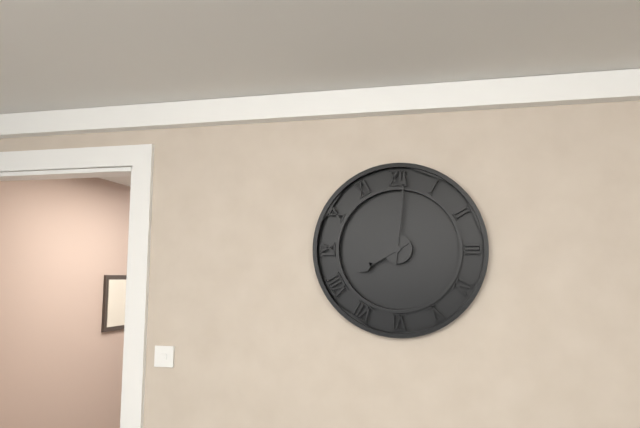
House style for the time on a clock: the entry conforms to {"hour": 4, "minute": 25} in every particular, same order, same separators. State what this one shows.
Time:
{"hour": 8, "minute": 1}
